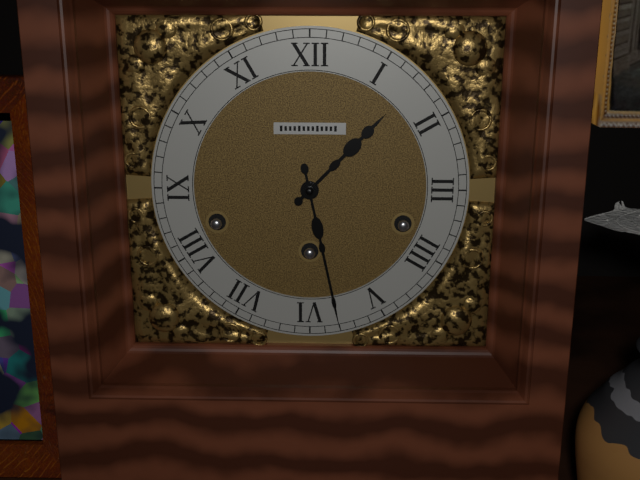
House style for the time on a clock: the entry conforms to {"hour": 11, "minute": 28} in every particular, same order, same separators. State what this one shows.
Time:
{"hour": 1, "minute": 28}
